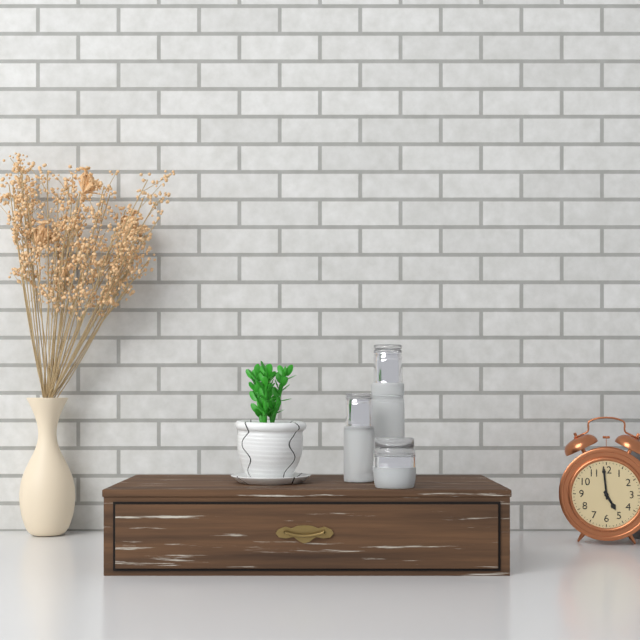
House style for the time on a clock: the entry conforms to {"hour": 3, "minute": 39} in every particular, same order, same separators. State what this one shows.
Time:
{"hour": 4, "minute": 59}
